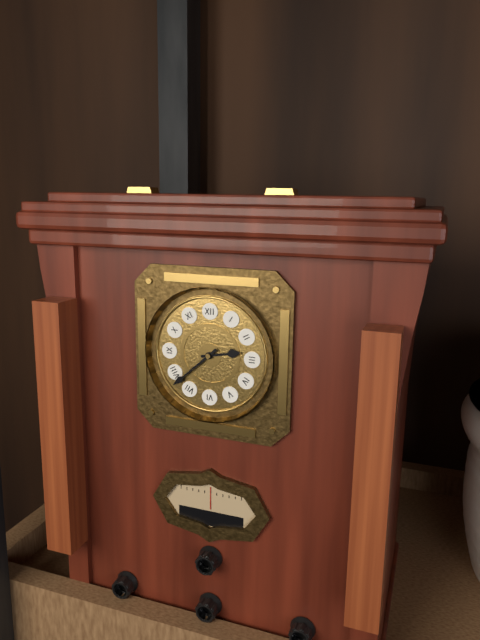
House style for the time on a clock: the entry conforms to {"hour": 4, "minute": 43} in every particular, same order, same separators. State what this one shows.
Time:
{"hour": 2, "minute": 38}
